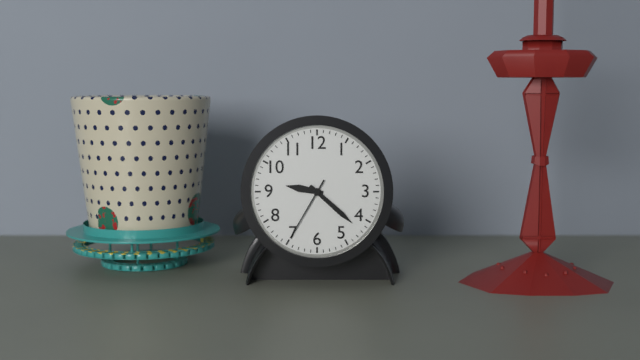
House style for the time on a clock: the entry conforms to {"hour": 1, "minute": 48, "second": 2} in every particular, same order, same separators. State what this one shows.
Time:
{"hour": 9, "minute": 22, "second": 35}
